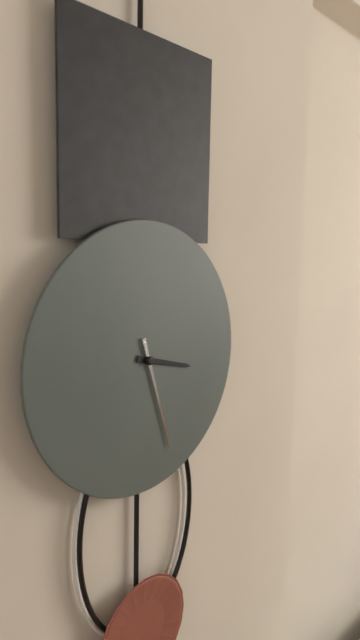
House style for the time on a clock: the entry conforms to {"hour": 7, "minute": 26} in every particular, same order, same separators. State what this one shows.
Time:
{"hour": 3, "minute": 27}
